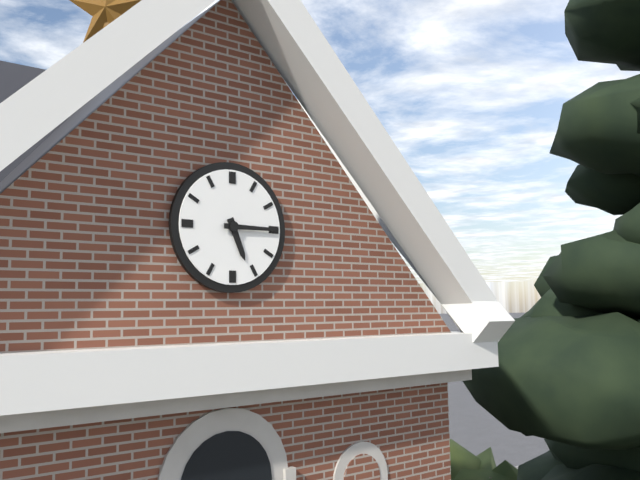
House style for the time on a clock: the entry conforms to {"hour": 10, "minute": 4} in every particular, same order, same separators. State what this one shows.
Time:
{"hour": 5, "minute": 15}
